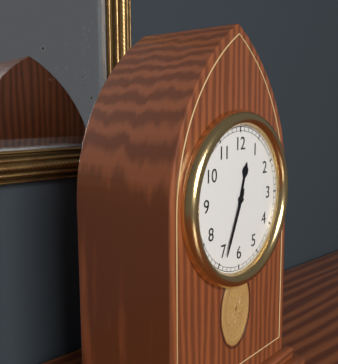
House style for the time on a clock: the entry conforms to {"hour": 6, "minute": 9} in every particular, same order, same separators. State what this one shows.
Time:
{"hour": 12, "minute": 34}
